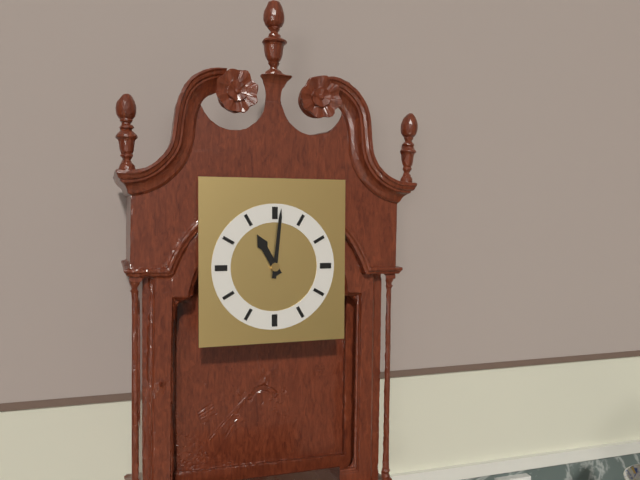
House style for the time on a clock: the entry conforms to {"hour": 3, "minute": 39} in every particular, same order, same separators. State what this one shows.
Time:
{"hour": 11, "minute": 1}
